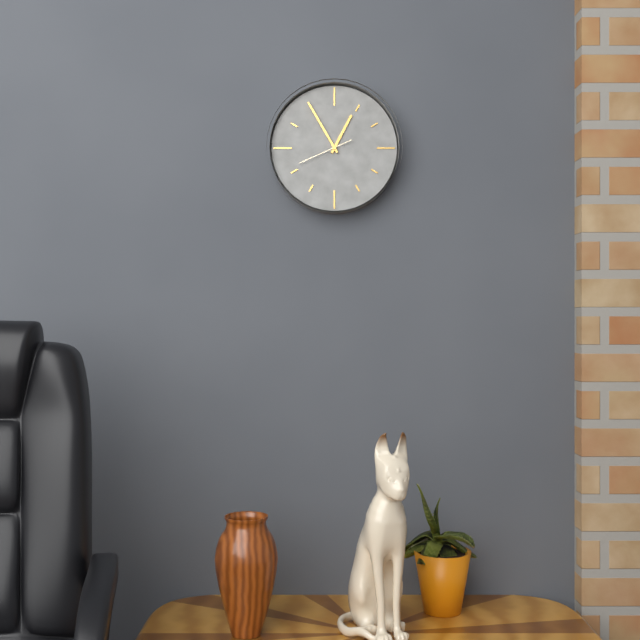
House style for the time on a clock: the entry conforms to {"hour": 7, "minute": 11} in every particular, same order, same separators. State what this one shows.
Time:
{"hour": 12, "minute": 55}
